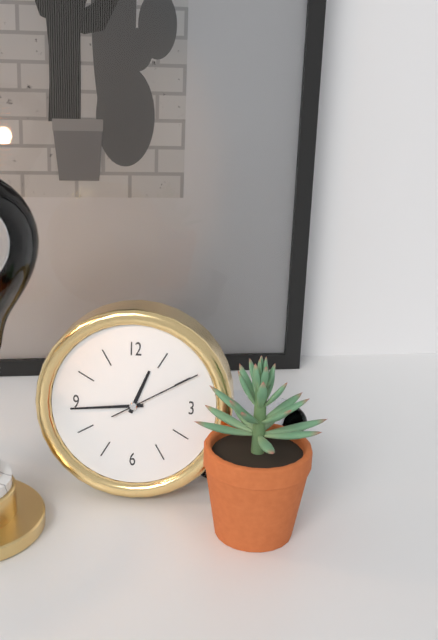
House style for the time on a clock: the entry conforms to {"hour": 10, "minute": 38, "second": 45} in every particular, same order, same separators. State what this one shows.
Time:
{"hour": 12, "minute": 44, "second": 10}
